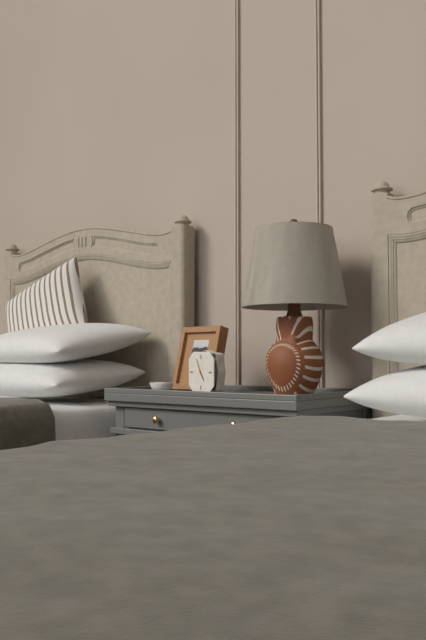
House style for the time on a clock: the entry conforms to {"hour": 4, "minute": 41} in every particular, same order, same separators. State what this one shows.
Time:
{"hour": 4, "minute": 56}
